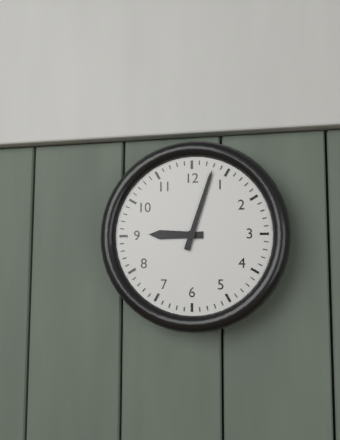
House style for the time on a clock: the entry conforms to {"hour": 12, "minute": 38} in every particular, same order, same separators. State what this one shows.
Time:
{"hour": 9, "minute": 3}
